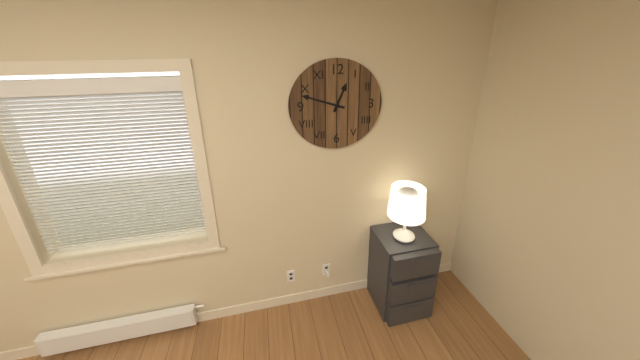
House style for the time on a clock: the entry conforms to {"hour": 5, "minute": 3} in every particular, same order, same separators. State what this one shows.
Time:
{"hour": 12, "minute": 48}
